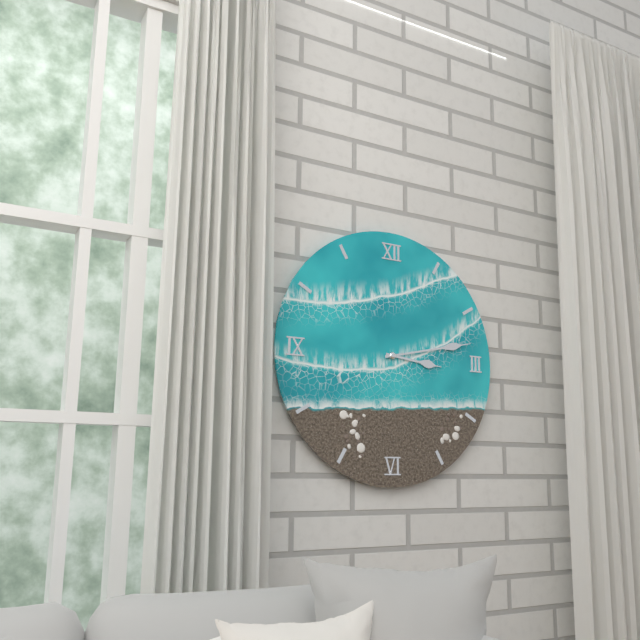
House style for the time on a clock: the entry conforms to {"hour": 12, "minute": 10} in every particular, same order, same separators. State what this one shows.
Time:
{"hour": 3, "minute": 13}
